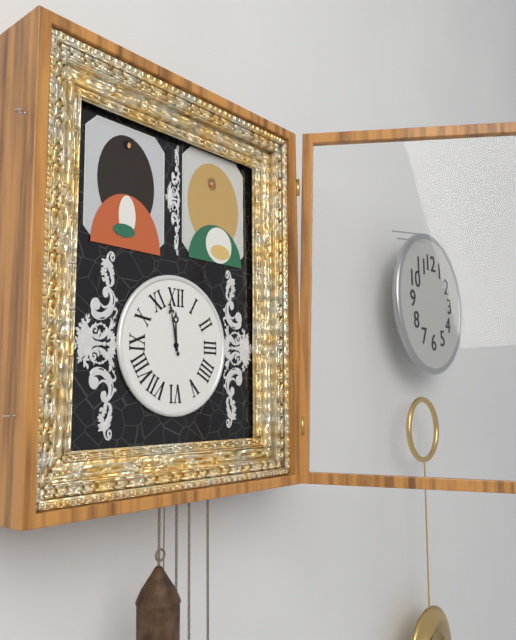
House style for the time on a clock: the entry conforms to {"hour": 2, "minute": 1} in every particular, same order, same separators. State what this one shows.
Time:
{"hour": 11, "minute": 58}
